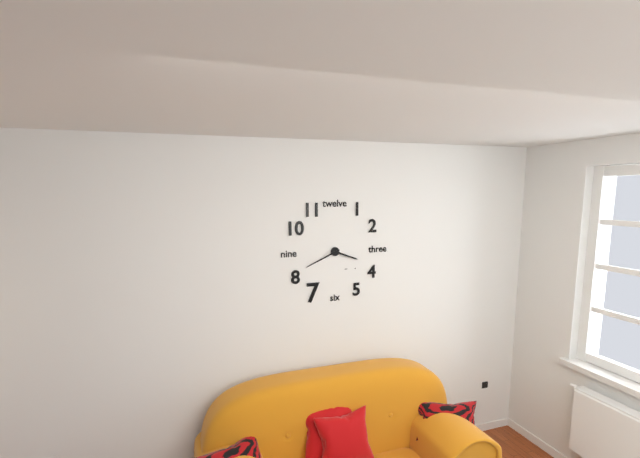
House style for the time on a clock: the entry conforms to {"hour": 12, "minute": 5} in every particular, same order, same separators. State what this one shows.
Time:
{"hour": 3, "minute": 41}
